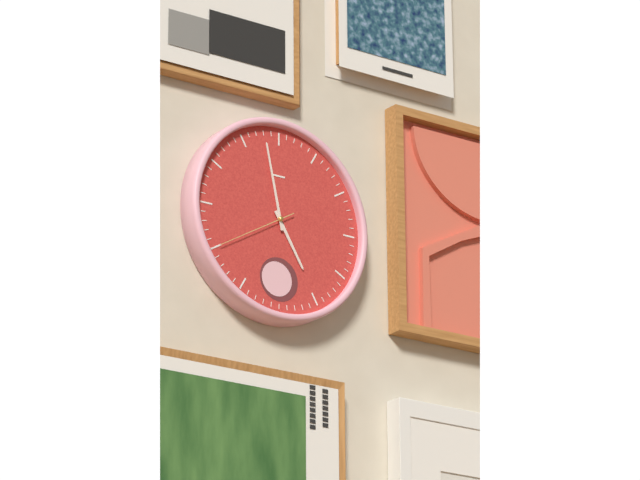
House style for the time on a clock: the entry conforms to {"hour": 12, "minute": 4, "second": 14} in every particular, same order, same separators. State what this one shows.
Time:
{"hour": 4, "minute": 58, "second": 40}
